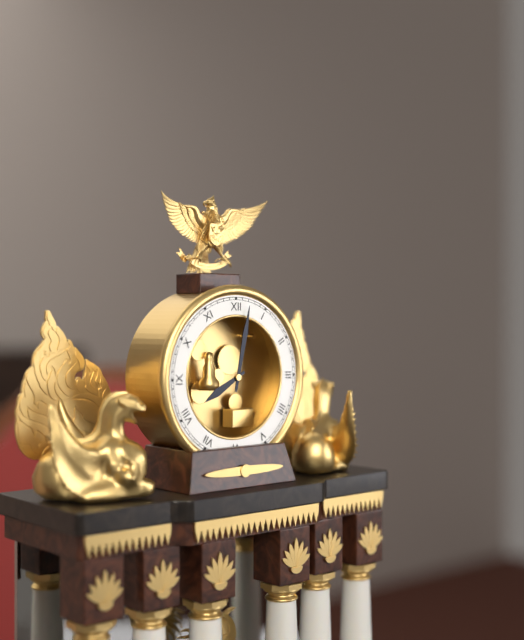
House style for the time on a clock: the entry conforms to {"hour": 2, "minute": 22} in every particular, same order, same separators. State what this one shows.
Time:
{"hour": 8, "minute": 2}
